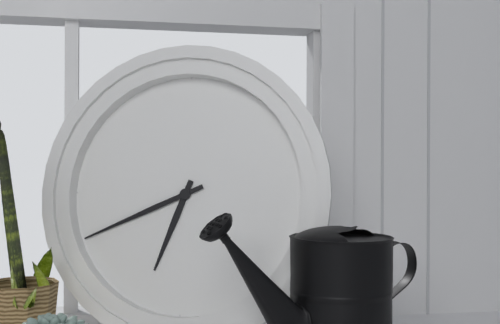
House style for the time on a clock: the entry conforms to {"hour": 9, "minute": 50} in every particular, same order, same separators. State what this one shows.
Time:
{"hour": 6, "minute": 41}
